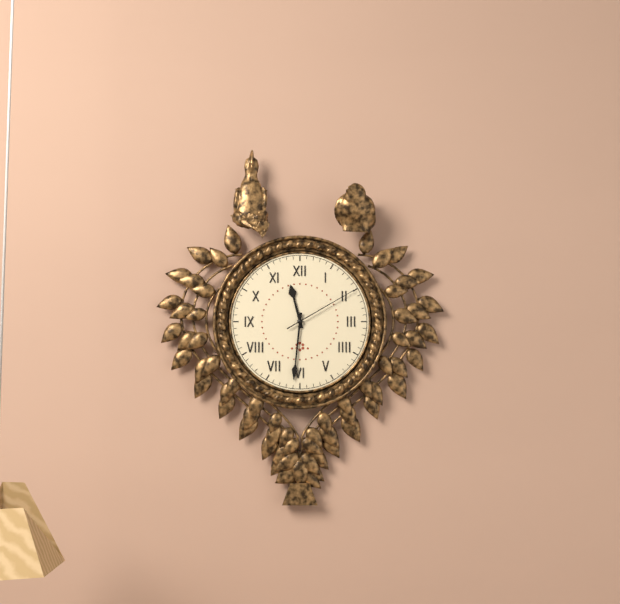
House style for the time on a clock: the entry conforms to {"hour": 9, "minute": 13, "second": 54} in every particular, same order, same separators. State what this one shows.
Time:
{"hour": 11, "minute": 31, "second": 10}
